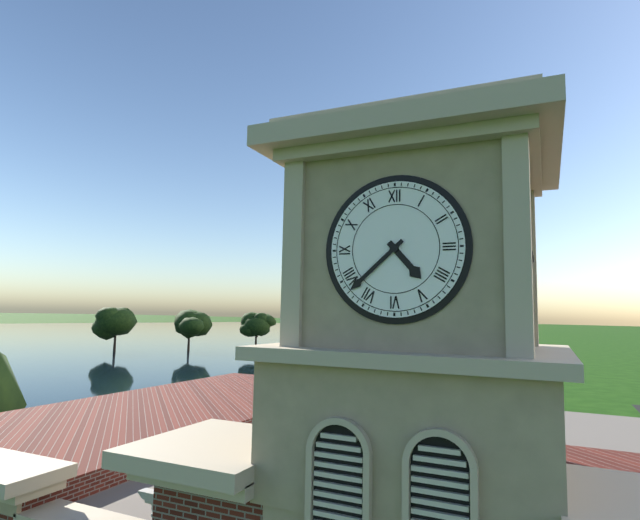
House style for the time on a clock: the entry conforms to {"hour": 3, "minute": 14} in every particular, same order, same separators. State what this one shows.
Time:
{"hour": 4, "minute": 38}
